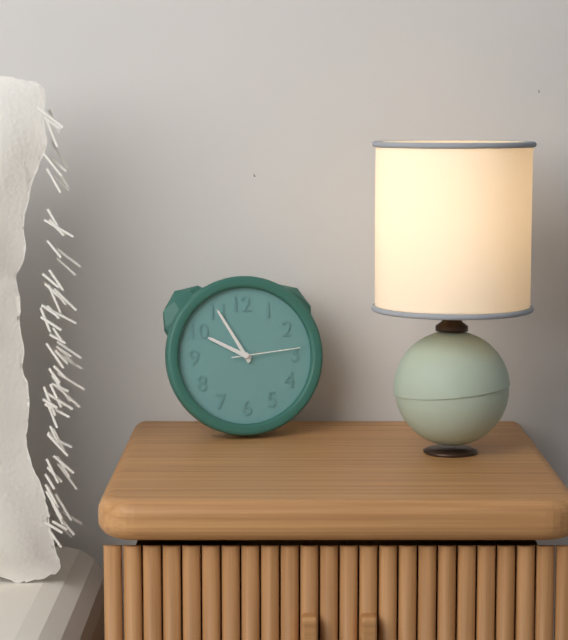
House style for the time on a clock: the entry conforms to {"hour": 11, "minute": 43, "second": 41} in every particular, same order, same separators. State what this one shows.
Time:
{"hour": 9, "minute": 55, "second": 14}
